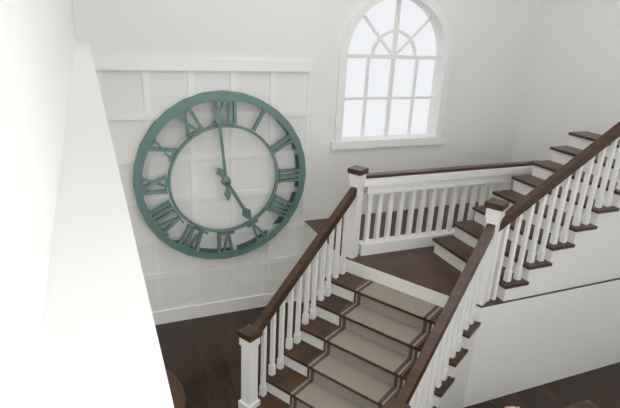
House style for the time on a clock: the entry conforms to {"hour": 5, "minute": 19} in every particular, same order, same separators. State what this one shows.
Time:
{"hour": 4, "minute": 59}
